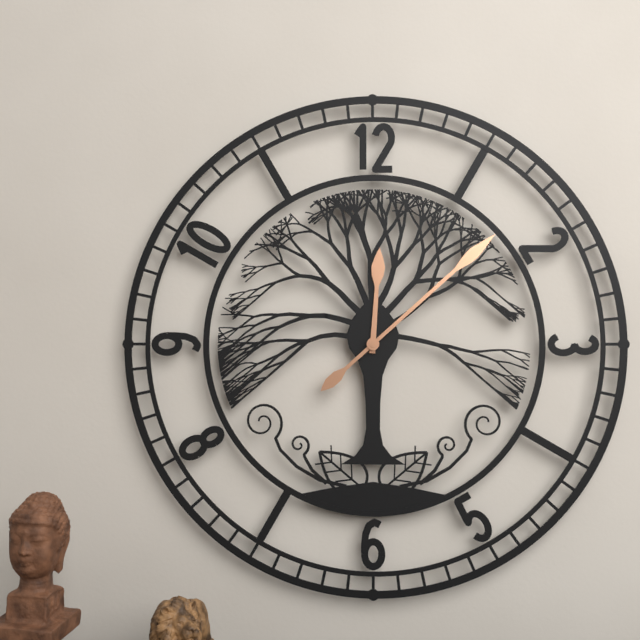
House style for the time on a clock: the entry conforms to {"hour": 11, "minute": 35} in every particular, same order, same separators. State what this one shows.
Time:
{"hour": 12, "minute": 8}
